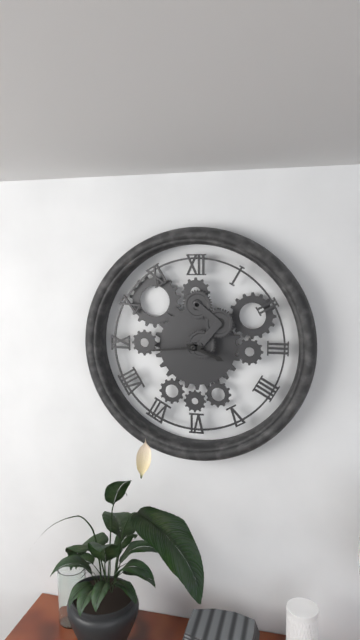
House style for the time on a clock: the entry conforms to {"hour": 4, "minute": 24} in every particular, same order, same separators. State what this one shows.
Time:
{"hour": 3, "minute": 44}
